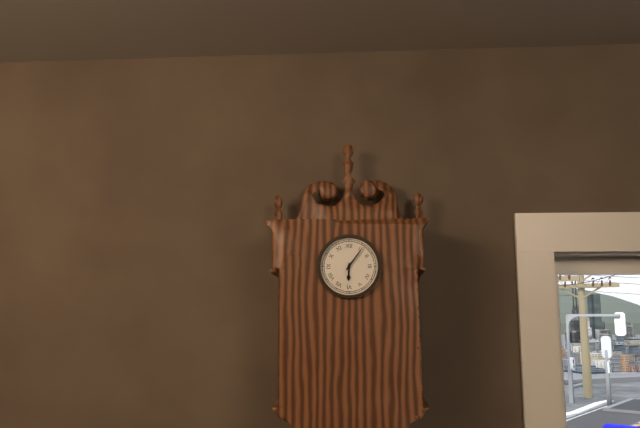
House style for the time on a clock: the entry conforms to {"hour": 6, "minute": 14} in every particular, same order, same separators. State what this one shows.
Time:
{"hour": 6, "minute": 6}
